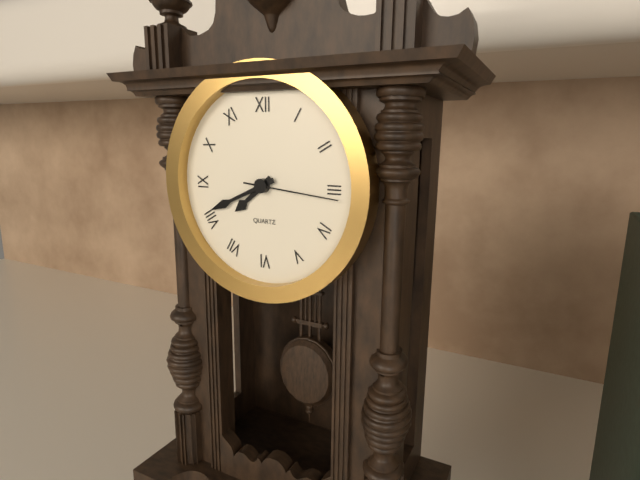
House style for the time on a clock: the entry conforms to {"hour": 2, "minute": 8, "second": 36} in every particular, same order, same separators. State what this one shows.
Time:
{"hour": 7, "minute": 41, "second": 16}
